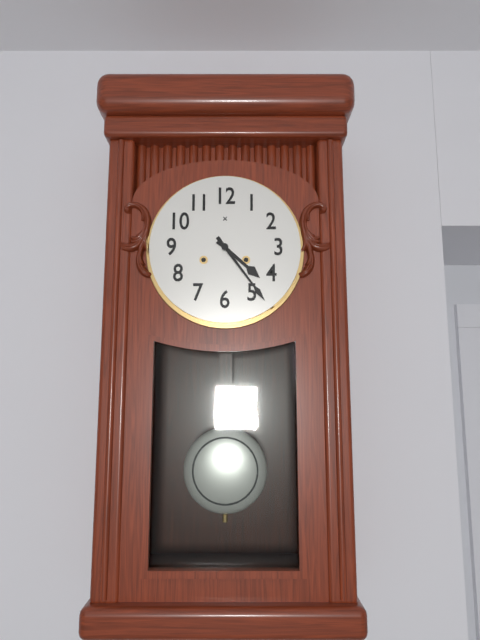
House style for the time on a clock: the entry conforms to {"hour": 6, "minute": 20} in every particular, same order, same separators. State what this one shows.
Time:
{"hour": 4, "minute": 24}
